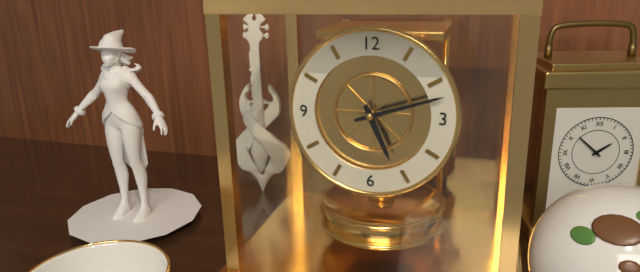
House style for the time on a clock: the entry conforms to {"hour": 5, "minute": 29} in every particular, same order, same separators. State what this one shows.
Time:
{"hour": 5, "minute": 12}
